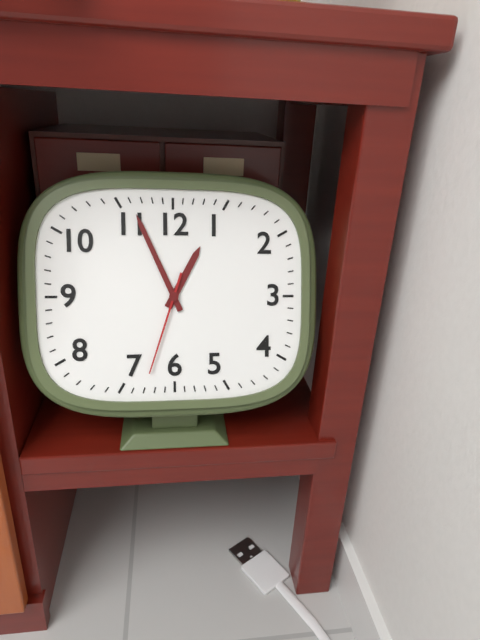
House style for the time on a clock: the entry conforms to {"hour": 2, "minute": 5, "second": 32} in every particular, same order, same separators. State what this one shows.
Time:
{"hour": 12, "minute": 56, "second": 33}
